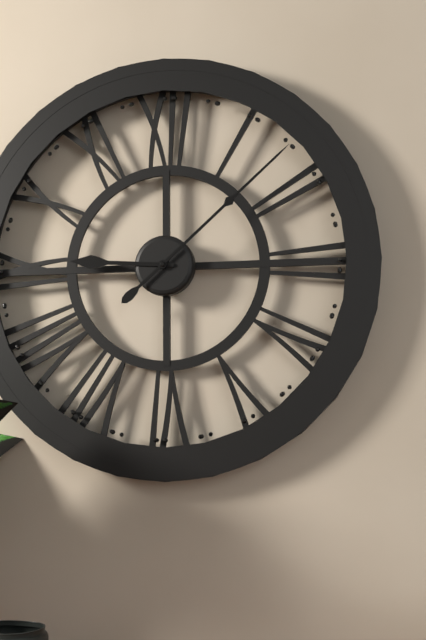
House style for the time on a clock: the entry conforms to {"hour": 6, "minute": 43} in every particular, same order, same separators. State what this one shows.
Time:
{"hour": 9, "minute": 8}
